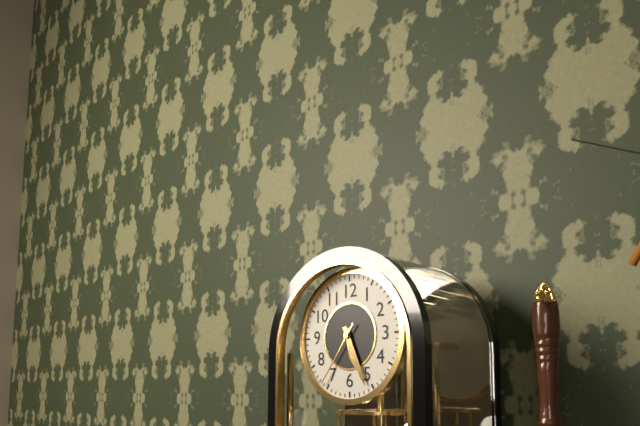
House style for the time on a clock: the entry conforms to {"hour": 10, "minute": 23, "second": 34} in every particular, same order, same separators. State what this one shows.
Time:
{"hour": 5, "minute": 26, "second": 36}
